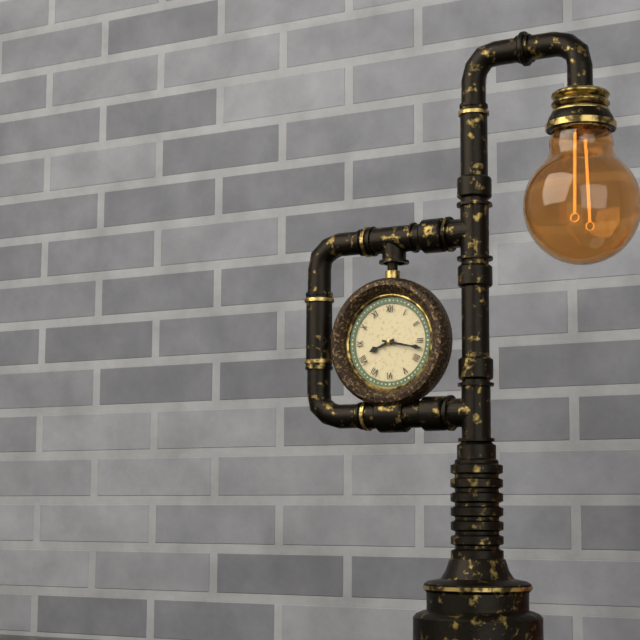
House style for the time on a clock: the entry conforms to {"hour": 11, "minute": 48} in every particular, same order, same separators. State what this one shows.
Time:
{"hour": 8, "minute": 17}
